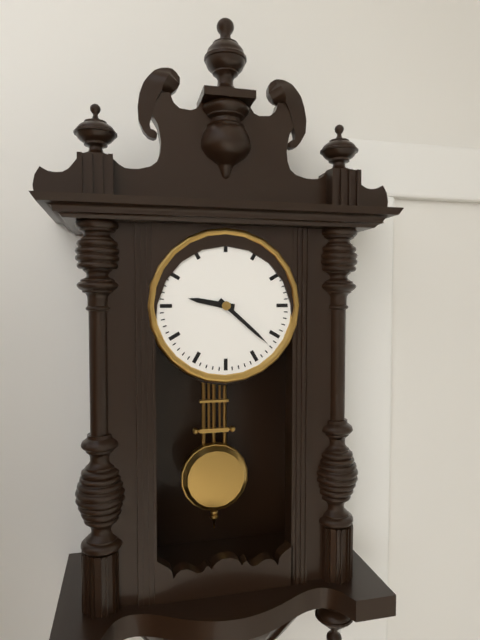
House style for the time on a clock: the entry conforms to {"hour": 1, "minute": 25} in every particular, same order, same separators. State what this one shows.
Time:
{"hour": 9, "minute": 22}
